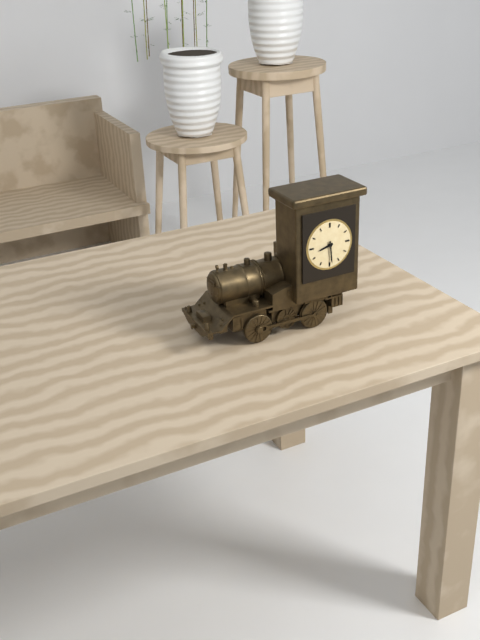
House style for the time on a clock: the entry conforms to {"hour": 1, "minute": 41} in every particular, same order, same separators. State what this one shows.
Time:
{"hour": 8, "minute": 29}
